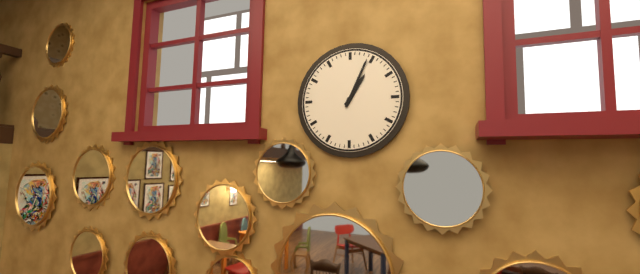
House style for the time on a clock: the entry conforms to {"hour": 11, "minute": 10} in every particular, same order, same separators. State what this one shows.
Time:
{"hour": 1, "minute": 4}
